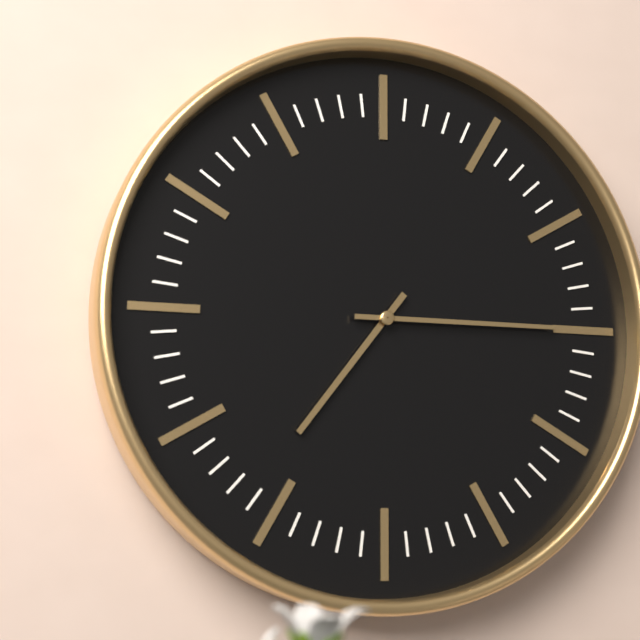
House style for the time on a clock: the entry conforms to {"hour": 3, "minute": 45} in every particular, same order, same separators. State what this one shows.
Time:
{"hour": 7, "minute": 15}
